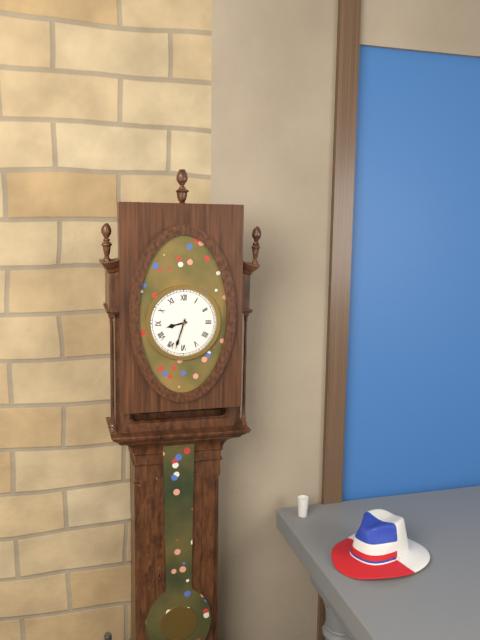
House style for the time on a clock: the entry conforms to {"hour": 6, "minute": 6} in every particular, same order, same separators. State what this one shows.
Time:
{"hour": 8, "minute": 33}
